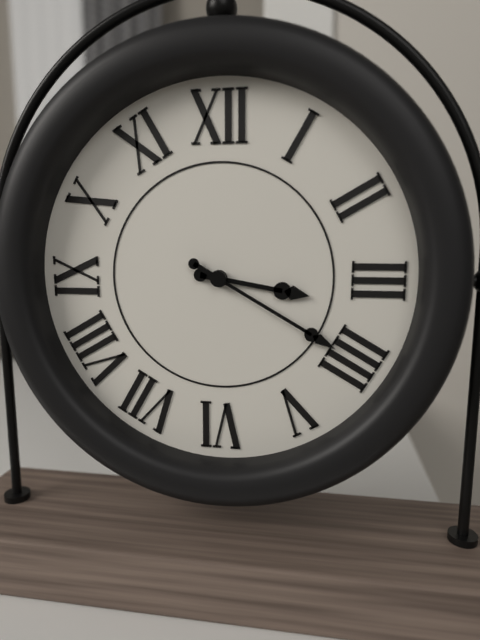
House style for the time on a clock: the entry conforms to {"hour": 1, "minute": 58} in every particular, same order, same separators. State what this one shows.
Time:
{"hour": 3, "minute": 20}
